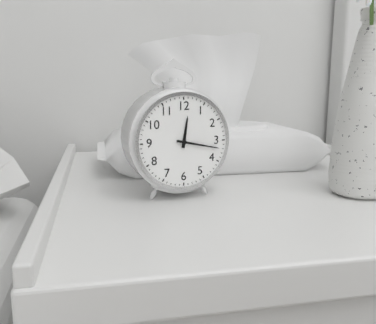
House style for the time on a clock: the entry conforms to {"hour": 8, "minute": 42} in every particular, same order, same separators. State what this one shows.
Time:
{"hour": 12, "minute": 17}
